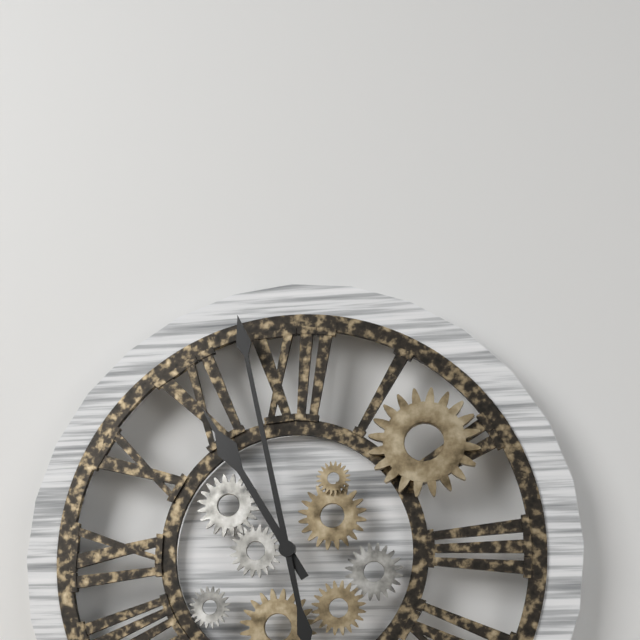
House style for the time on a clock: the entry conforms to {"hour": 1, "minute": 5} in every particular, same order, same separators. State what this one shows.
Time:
{"hour": 10, "minute": 58}
